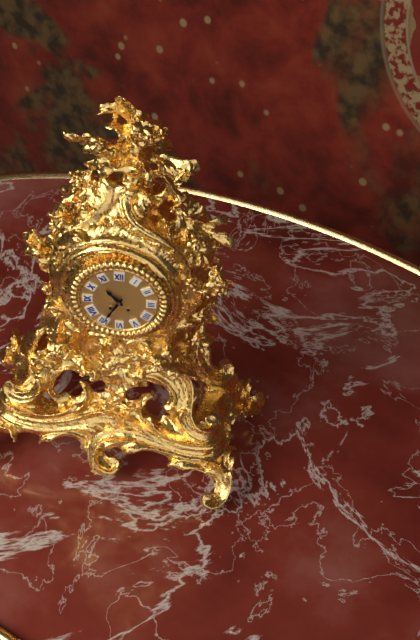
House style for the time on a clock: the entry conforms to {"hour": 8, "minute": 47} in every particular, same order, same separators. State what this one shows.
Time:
{"hour": 10, "minute": 35}
